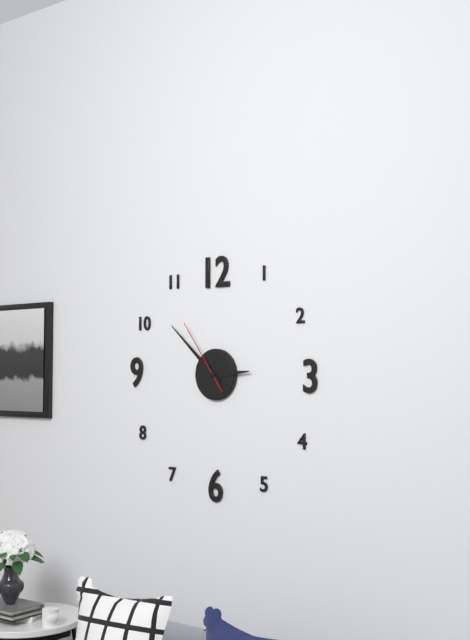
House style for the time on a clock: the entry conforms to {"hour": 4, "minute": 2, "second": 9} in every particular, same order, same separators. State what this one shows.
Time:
{"hour": 2, "minute": 52, "second": 54}
